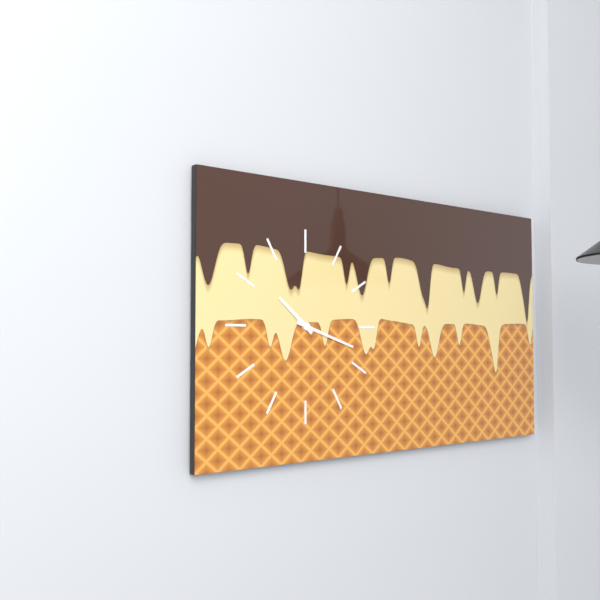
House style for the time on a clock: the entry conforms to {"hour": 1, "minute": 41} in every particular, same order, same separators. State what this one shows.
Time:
{"hour": 10, "minute": 18}
